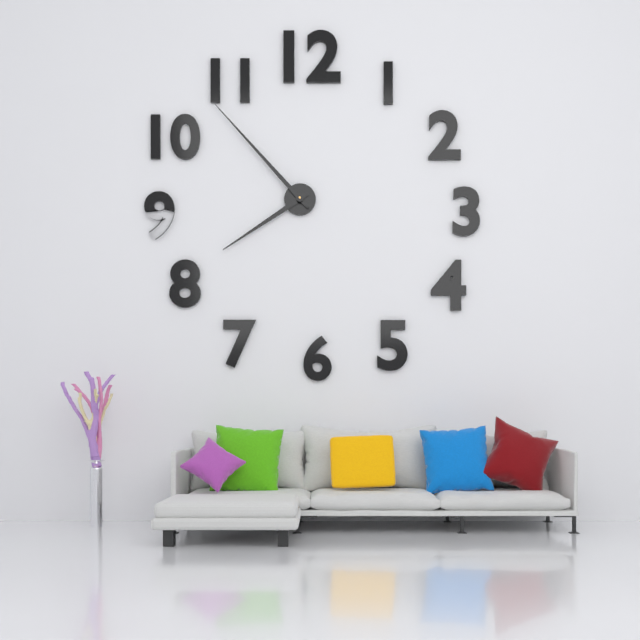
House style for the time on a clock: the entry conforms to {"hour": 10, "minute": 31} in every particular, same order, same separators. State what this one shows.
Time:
{"hour": 7, "minute": 53}
